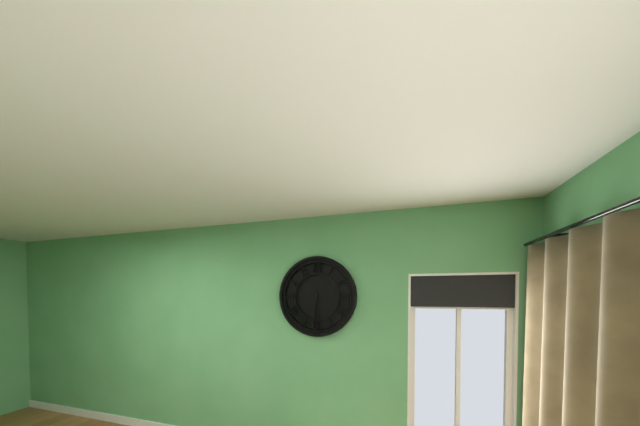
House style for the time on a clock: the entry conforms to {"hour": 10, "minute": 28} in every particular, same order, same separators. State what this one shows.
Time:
{"hour": 6, "minute": 31}
